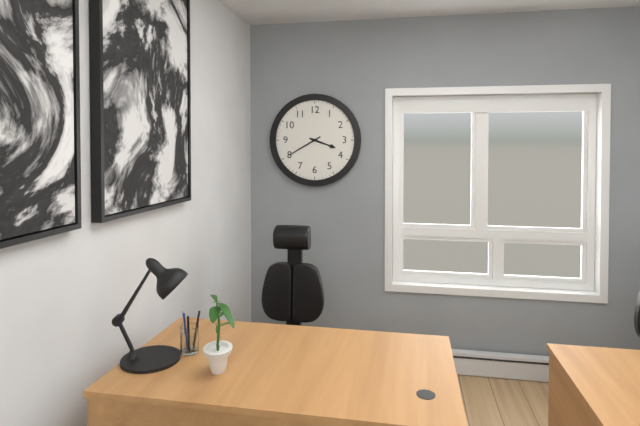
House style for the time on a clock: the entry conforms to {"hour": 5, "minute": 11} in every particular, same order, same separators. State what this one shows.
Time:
{"hour": 3, "minute": 40}
